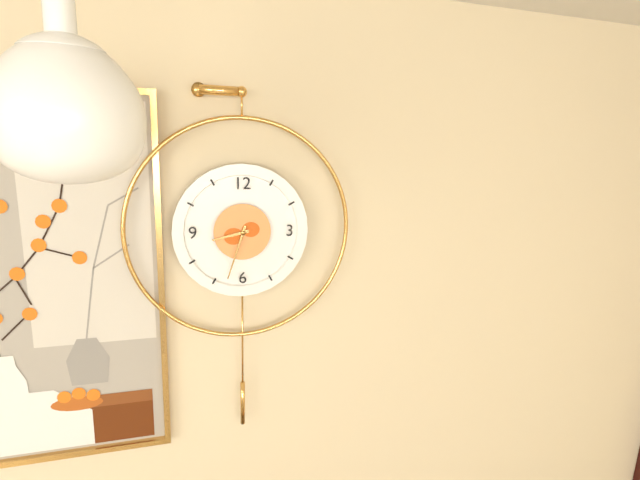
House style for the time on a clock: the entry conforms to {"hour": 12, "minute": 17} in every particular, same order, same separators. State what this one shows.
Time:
{"hour": 8, "minute": 33}
